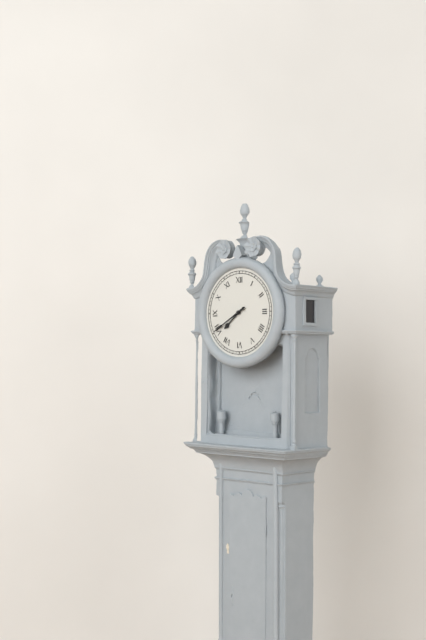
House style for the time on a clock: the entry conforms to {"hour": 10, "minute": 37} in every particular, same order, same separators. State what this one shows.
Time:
{"hour": 7, "minute": 40}
